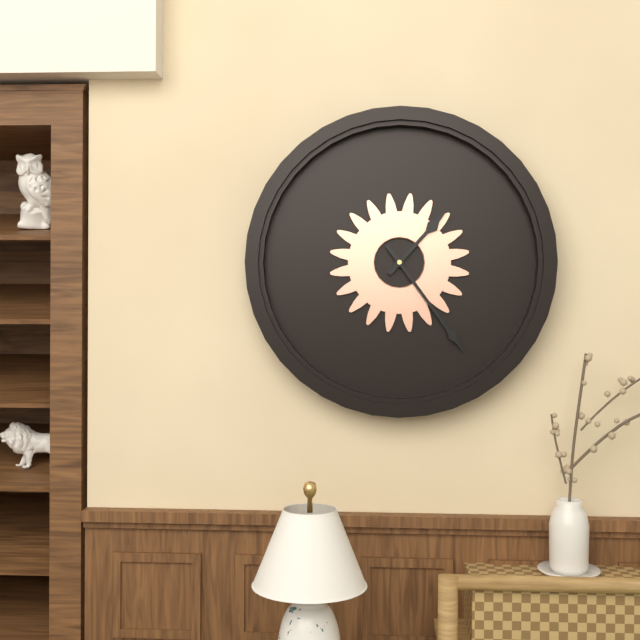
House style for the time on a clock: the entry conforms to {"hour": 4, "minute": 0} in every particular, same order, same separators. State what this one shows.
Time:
{"hour": 1, "minute": 24}
